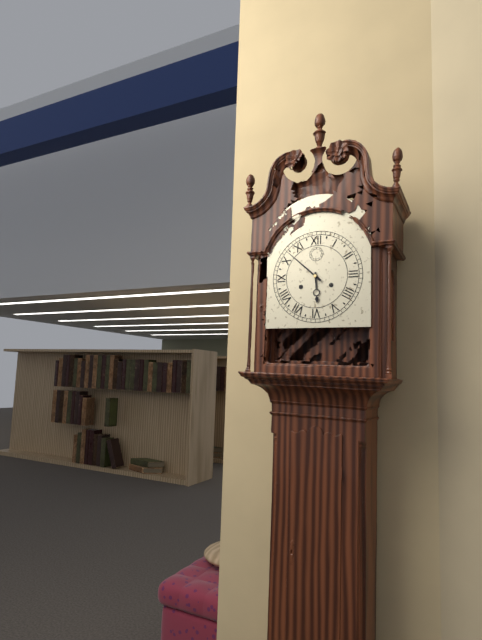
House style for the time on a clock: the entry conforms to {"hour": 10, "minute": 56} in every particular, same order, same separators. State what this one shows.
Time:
{"hour": 5, "minute": 52}
